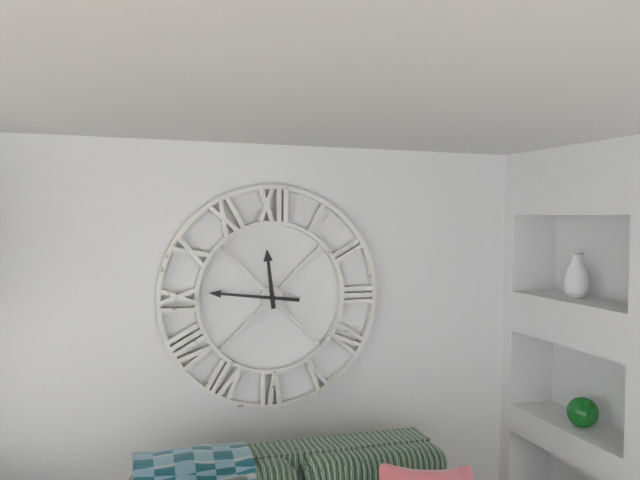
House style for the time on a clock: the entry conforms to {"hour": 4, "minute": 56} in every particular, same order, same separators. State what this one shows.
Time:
{"hour": 11, "minute": 46}
